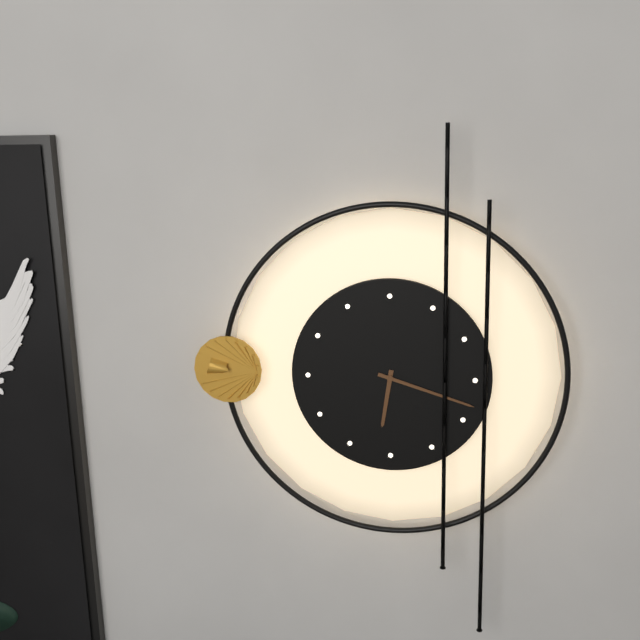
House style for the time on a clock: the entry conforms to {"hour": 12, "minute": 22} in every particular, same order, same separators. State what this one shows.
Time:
{"hour": 6, "minute": 18}
